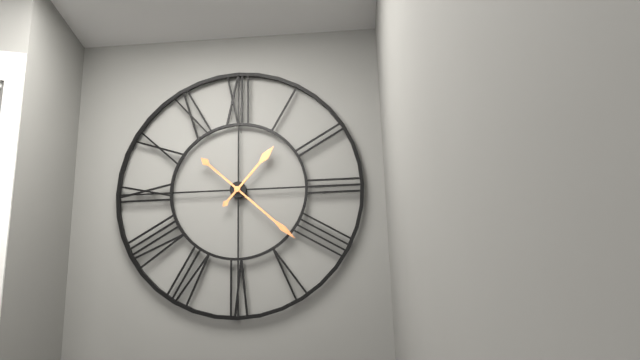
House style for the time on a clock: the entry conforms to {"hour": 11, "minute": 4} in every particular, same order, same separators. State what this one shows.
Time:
{"hour": 1, "minute": 22}
